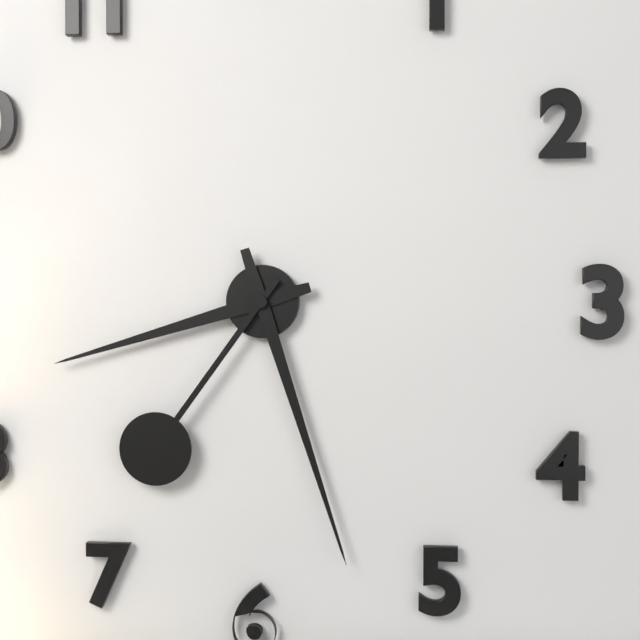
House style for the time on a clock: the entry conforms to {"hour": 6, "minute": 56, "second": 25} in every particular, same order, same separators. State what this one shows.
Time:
{"hour": 8, "minute": 27, "second": 36}
